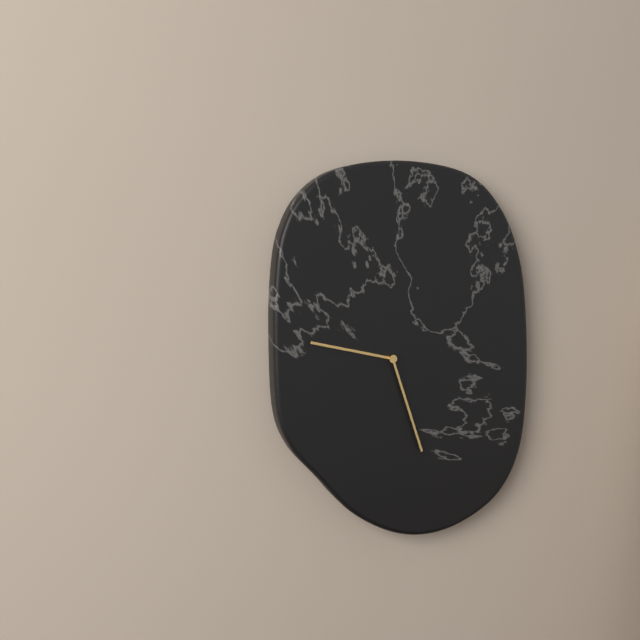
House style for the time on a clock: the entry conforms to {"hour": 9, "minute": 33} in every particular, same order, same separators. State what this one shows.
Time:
{"hour": 9, "minute": 27}
